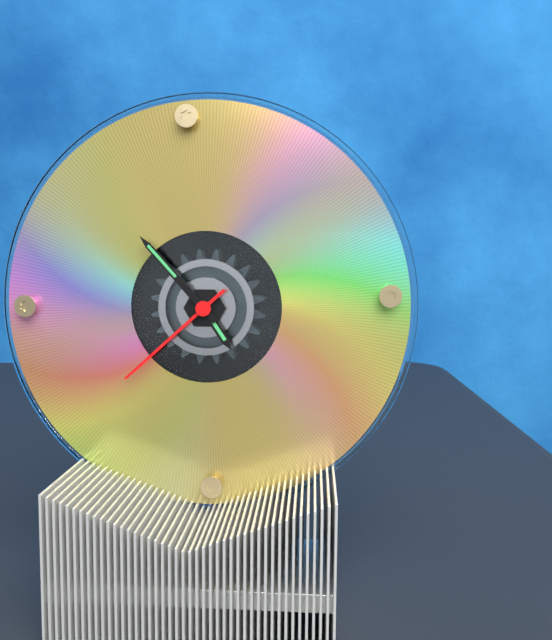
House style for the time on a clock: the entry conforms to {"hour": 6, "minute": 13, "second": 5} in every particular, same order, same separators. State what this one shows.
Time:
{"hour": 4, "minute": 53, "second": 38}
